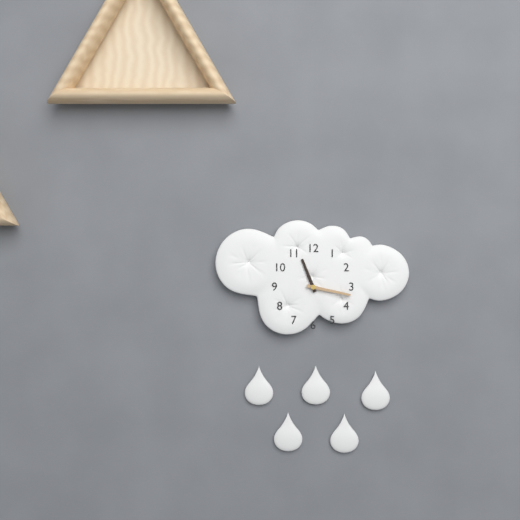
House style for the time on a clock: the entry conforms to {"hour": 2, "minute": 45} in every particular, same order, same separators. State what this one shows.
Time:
{"hour": 11, "minute": 17}
